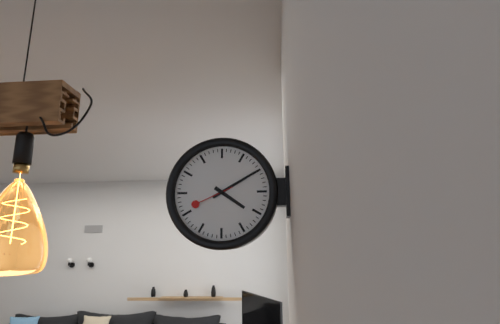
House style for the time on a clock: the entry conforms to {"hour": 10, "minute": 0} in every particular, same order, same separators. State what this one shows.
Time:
{"hour": 4, "minute": 10}
